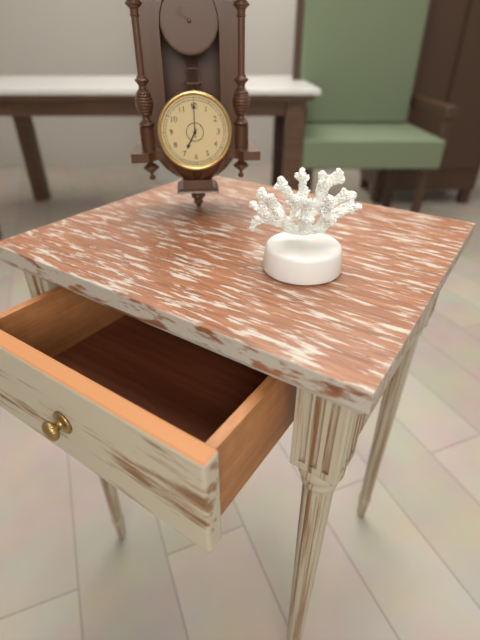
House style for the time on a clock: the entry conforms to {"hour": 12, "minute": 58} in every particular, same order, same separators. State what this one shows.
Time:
{"hour": 7, "minute": 0}
